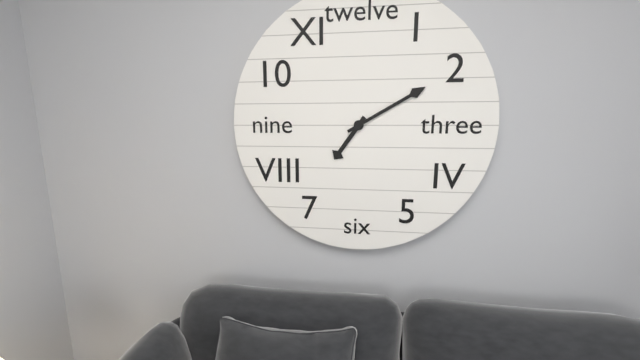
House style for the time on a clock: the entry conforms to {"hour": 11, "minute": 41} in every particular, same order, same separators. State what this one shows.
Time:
{"hour": 7, "minute": 10}
